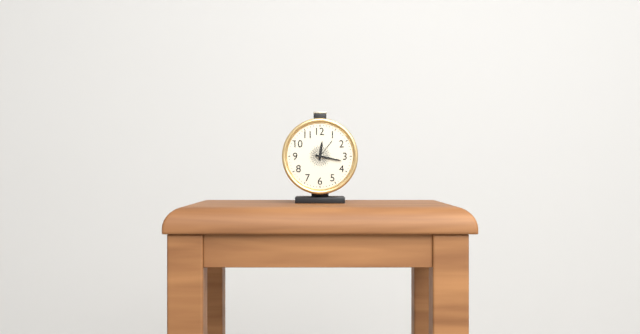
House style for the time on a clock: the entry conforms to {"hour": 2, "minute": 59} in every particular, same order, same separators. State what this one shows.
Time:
{"hour": 12, "minute": 17}
